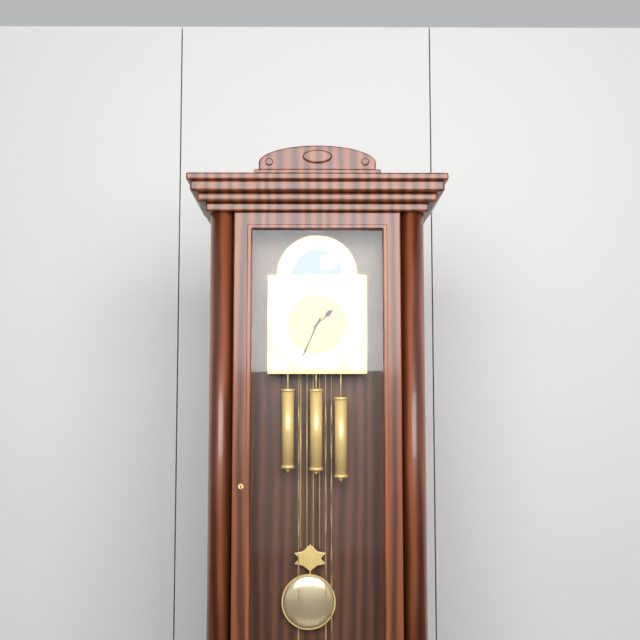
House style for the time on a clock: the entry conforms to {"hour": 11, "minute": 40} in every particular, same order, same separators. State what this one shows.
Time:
{"hour": 1, "minute": 34}
